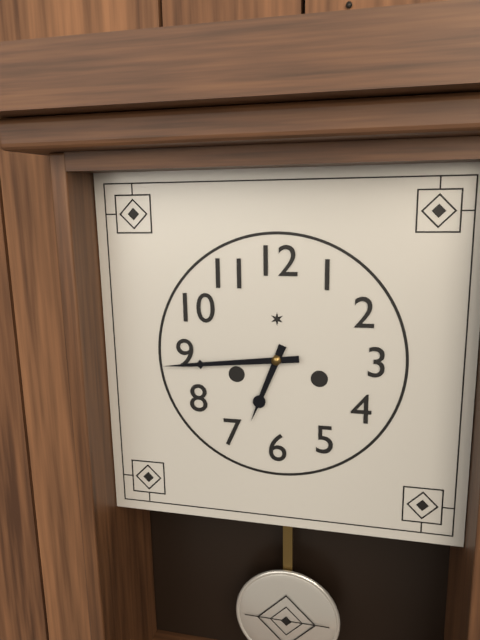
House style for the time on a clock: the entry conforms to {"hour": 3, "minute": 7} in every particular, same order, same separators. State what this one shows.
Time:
{"hour": 6, "minute": 44}
